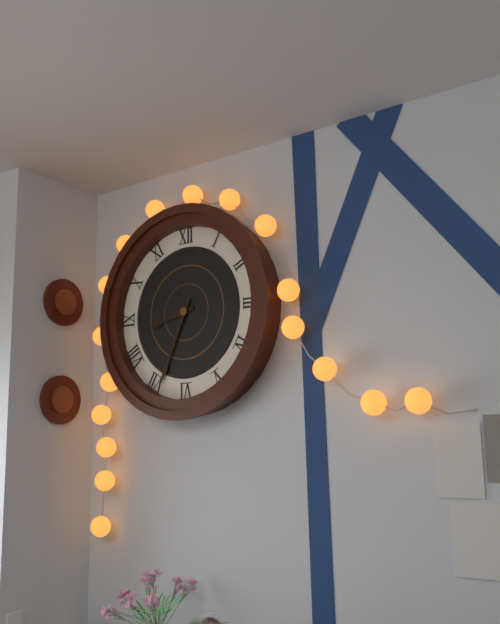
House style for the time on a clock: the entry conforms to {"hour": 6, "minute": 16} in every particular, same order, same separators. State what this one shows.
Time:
{"hour": 8, "minute": 34}
